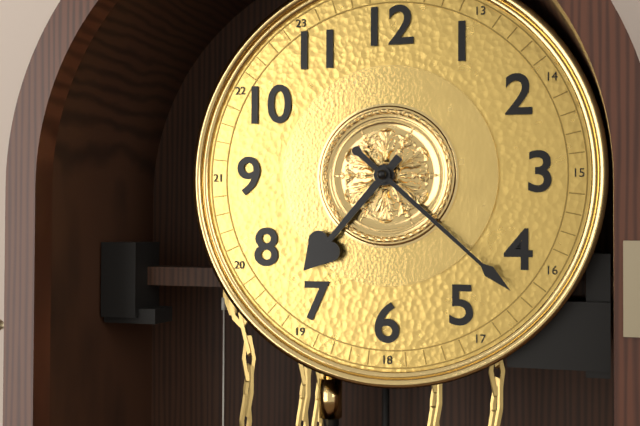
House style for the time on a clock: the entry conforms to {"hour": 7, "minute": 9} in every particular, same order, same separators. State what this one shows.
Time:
{"hour": 7, "minute": 22}
